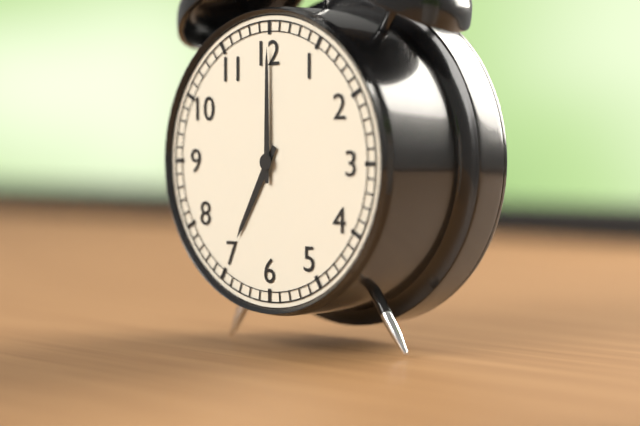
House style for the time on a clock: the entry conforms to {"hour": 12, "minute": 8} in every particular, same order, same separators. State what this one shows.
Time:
{"hour": 7, "minute": 0}
